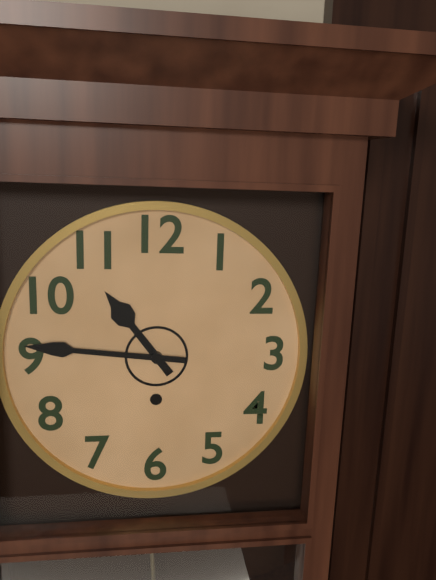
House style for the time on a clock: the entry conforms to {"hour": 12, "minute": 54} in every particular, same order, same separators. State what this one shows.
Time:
{"hour": 10, "minute": 46}
